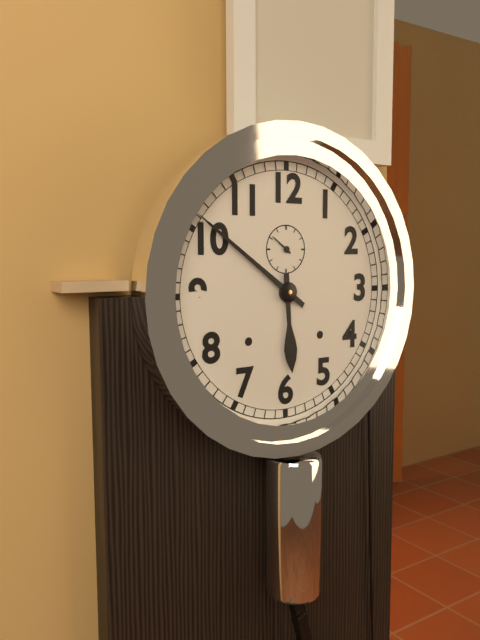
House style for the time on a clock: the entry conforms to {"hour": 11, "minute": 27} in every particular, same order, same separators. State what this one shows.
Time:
{"hour": 5, "minute": 51}
